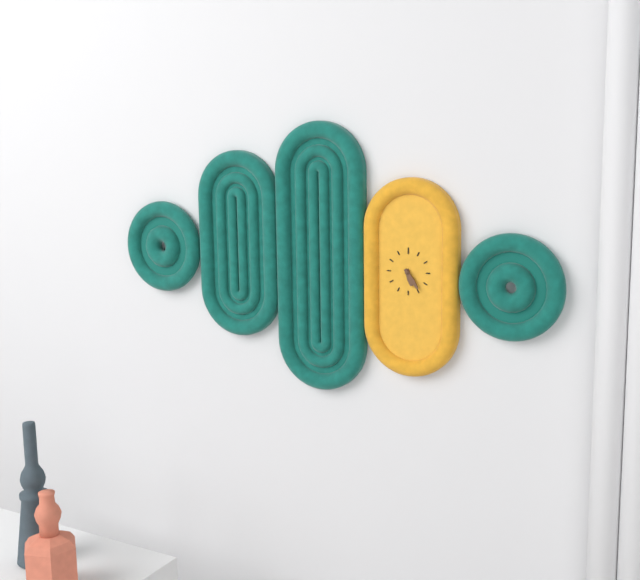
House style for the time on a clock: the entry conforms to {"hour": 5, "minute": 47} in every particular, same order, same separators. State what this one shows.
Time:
{"hour": 5, "minute": 24}
